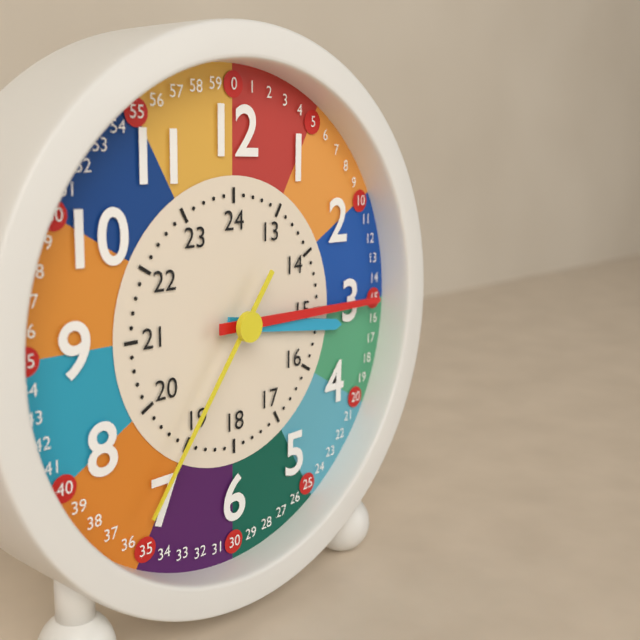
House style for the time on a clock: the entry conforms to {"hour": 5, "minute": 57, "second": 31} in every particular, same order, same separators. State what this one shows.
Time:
{"hour": 3, "minute": 15, "second": 36}
